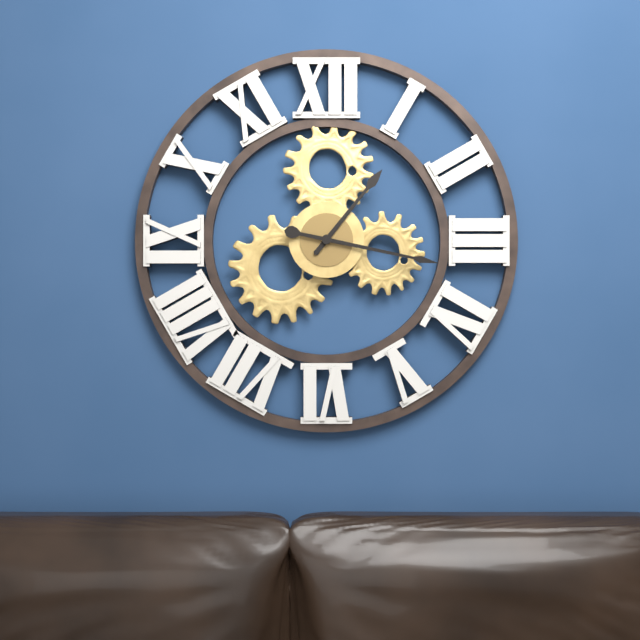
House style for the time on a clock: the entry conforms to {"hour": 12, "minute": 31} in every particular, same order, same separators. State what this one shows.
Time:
{"hour": 1, "minute": 17}
